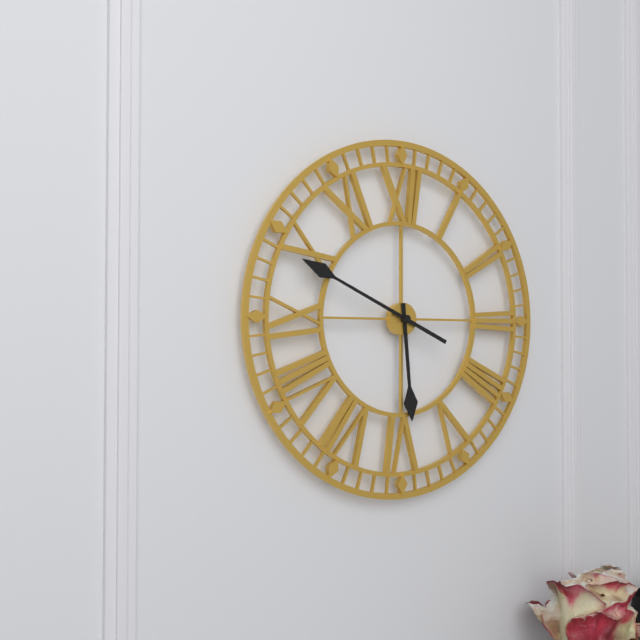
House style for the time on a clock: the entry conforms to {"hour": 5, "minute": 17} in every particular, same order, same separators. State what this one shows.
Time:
{"hour": 5, "minute": 49}
